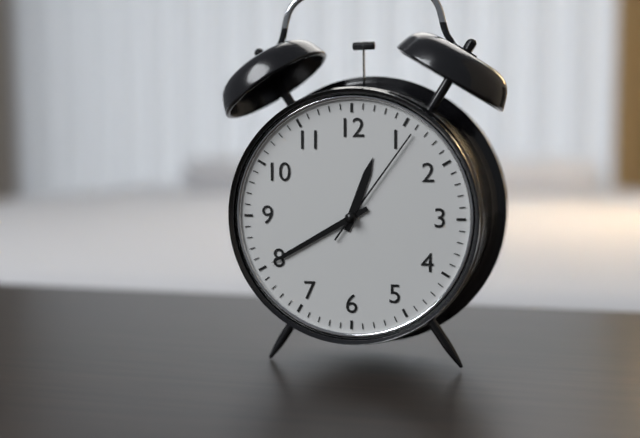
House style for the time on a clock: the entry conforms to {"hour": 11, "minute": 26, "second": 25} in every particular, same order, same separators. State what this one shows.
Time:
{"hour": 12, "minute": 40, "second": 6}
